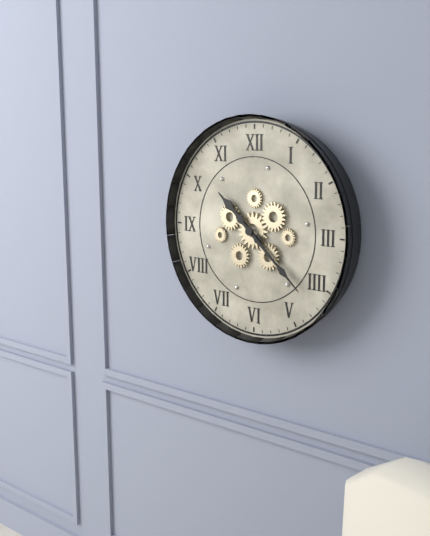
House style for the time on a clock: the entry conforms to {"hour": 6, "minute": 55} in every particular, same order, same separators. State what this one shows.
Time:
{"hour": 10, "minute": 22}
